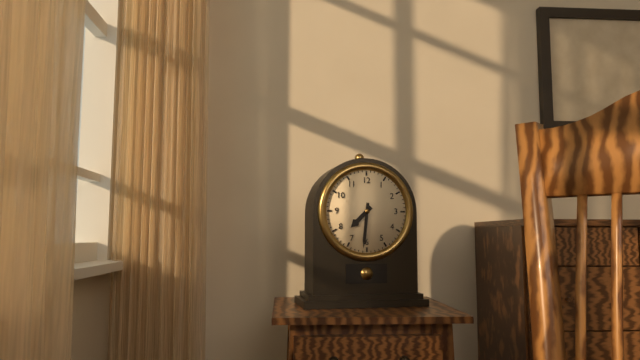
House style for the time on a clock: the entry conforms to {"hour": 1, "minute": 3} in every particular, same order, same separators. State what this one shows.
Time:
{"hour": 7, "minute": 31}
